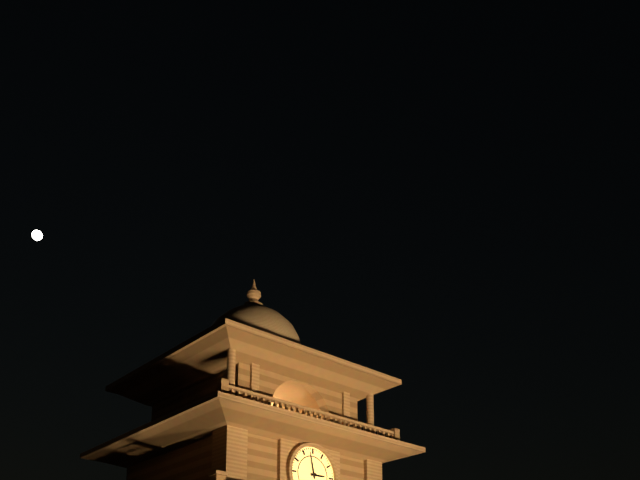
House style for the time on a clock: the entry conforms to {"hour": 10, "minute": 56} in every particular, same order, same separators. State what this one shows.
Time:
{"hour": 2, "minute": 58}
